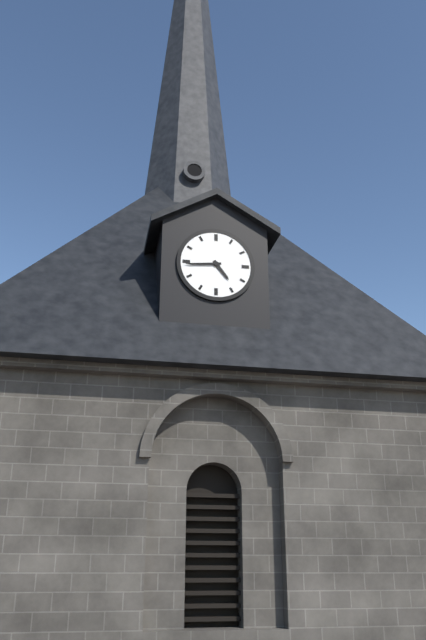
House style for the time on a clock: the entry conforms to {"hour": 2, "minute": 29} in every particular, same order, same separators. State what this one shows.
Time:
{"hour": 4, "minute": 44}
